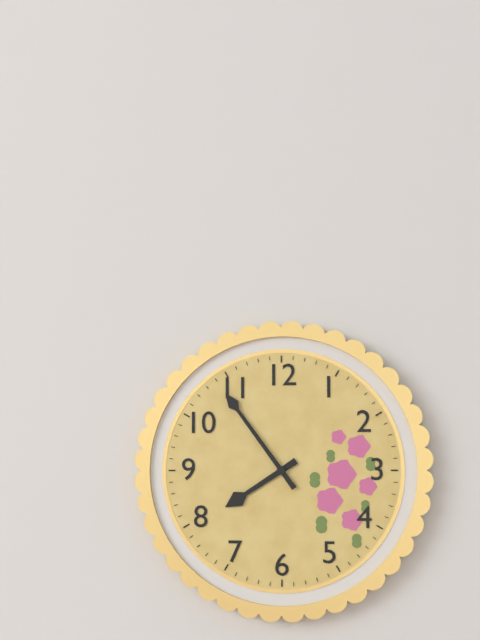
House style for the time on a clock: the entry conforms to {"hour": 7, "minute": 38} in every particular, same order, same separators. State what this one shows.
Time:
{"hour": 7, "minute": 54}
